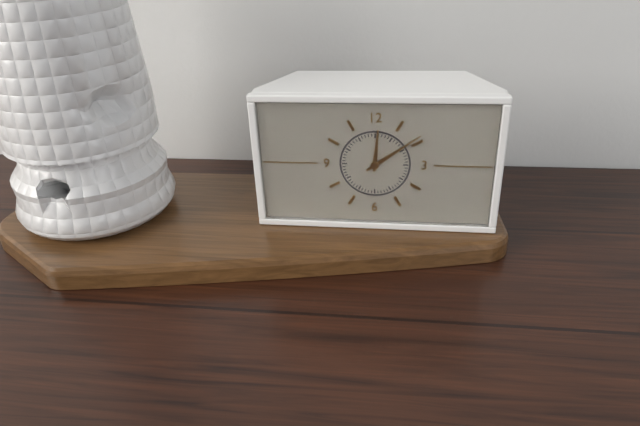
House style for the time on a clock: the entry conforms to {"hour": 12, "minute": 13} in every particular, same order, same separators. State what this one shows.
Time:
{"hour": 12, "minute": 9}
